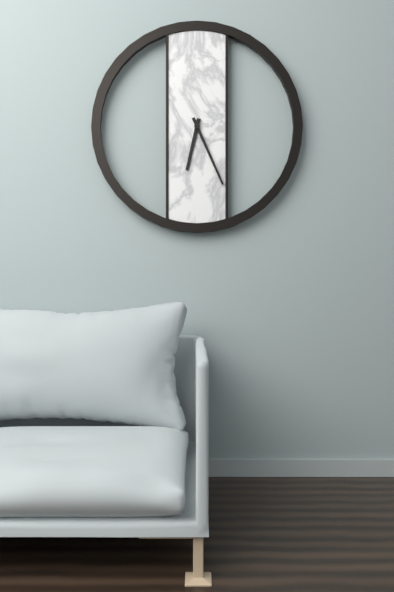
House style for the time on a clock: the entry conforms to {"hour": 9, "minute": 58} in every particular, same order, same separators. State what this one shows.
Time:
{"hour": 6, "minute": 26}
